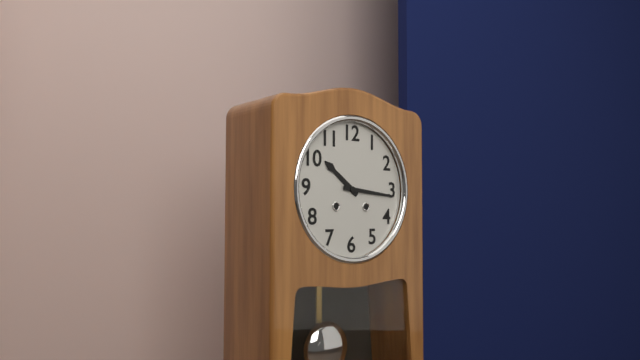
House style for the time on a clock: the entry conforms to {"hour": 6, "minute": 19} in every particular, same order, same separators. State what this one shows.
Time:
{"hour": 10, "minute": 16}
